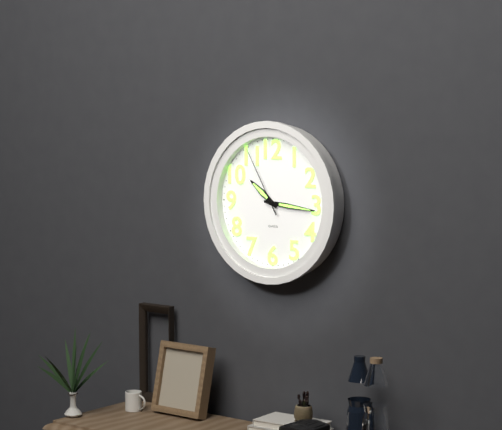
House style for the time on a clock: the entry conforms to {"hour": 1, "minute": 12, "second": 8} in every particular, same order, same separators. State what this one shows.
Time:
{"hour": 10, "minute": 16, "second": 55}
